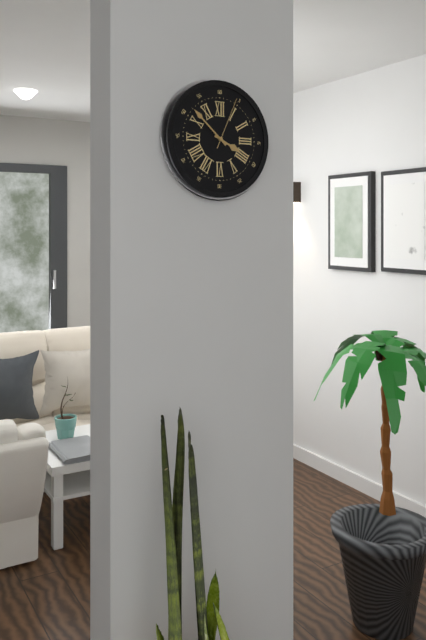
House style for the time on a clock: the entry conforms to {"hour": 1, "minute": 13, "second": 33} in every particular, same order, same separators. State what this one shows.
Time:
{"hour": 3, "minute": 52, "second": 4}
